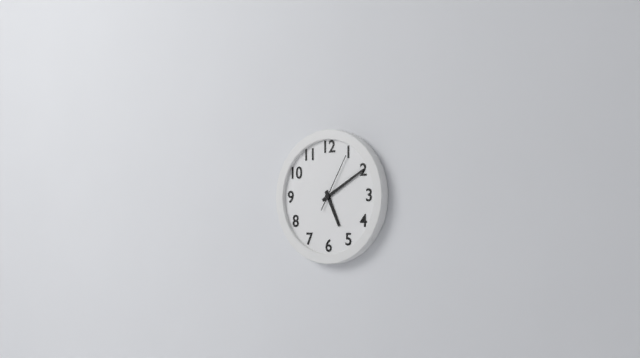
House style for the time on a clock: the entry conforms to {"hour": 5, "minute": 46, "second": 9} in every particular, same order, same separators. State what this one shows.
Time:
{"hour": 5, "minute": 10, "second": 5}
